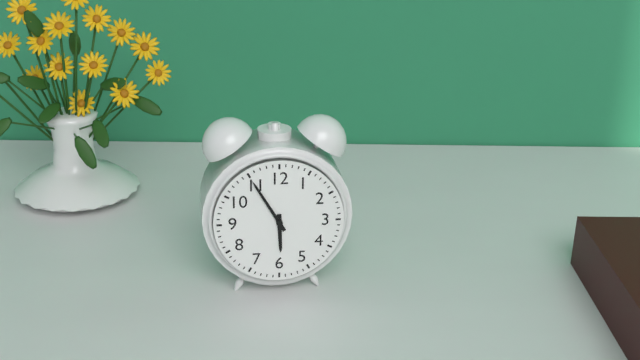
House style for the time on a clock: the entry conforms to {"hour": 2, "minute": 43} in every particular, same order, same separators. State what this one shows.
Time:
{"hour": 5, "minute": 55}
